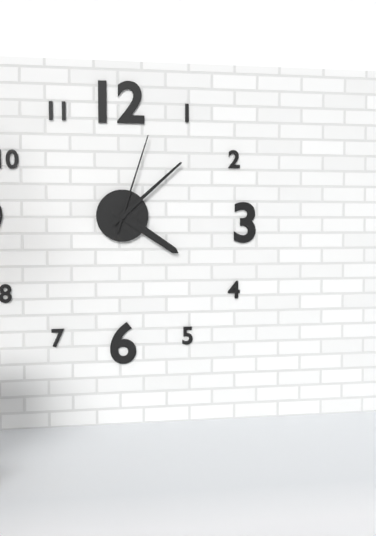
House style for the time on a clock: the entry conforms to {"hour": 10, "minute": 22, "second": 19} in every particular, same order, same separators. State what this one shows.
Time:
{"hour": 4, "minute": 8, "second": 3}
